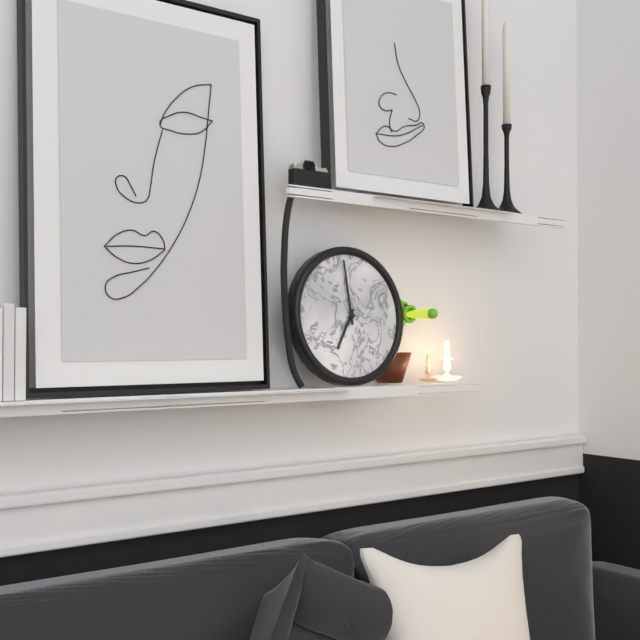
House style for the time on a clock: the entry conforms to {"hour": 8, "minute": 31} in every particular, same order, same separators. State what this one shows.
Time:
{"hour": 6, "minute": 59}
